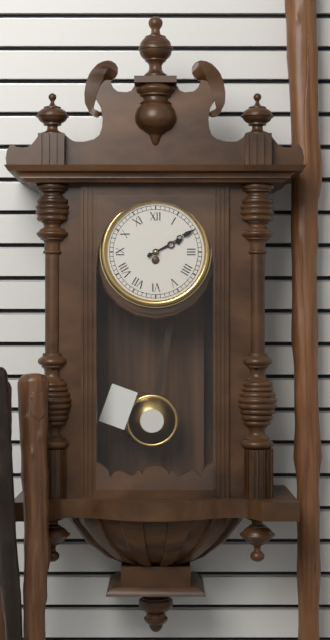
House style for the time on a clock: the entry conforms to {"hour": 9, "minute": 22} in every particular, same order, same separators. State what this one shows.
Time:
{"hour": 2, "minute": 10}
